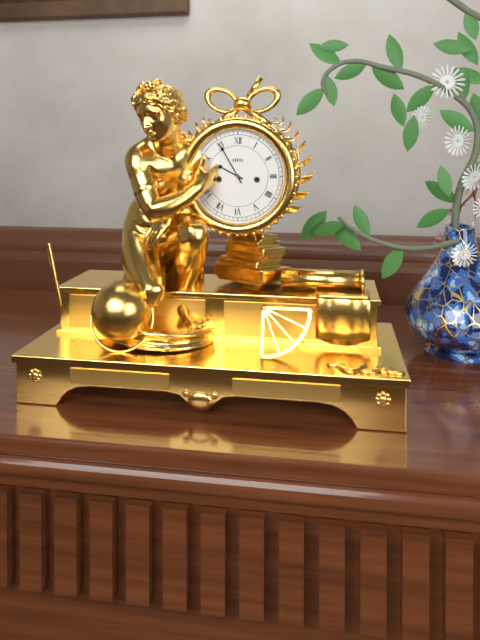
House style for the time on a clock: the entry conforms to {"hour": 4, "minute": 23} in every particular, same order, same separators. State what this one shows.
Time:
{"hour": 9, "minute": 55}
